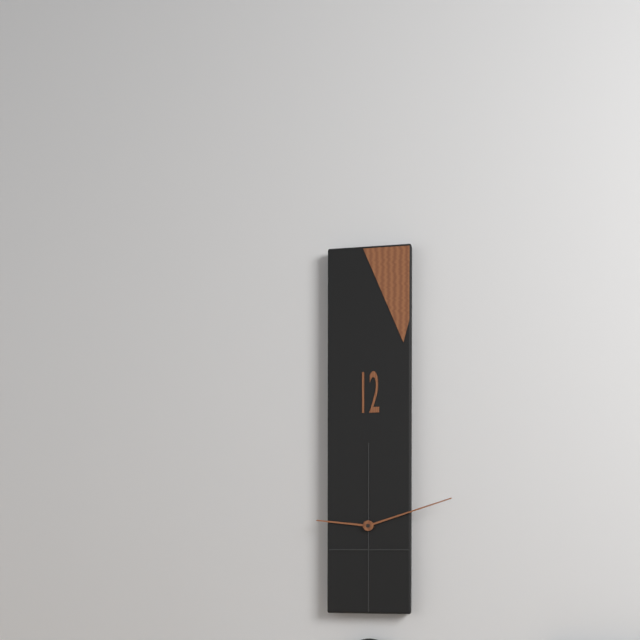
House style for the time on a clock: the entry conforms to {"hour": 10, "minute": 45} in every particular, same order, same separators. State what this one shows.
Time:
{"hour": 9, "minute": 12}
